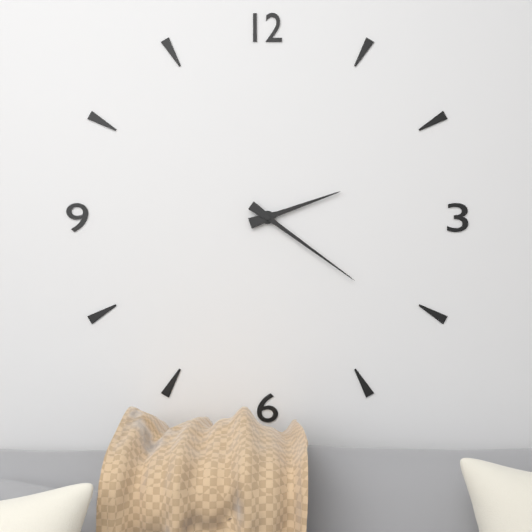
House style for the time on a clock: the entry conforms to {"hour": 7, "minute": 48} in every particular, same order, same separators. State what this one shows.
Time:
{"hour": 2, "minute": 21}
